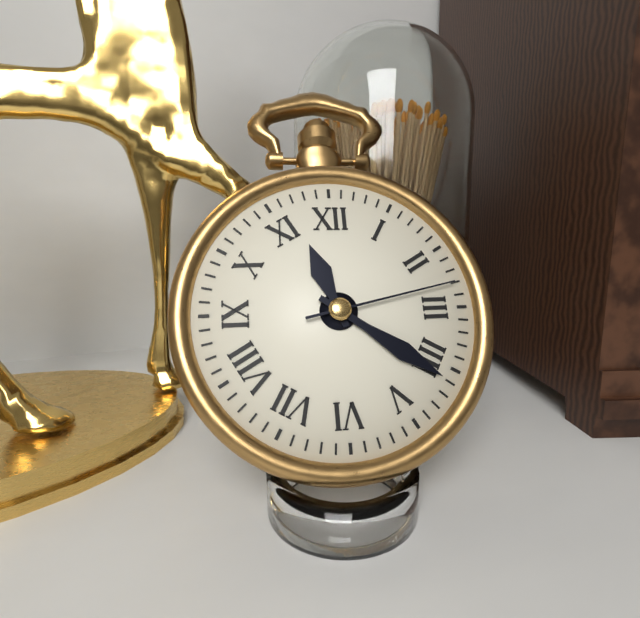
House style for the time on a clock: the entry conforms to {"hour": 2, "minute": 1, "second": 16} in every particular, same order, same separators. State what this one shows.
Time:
{"hour": 11, "minute": 21, "second": 13}
